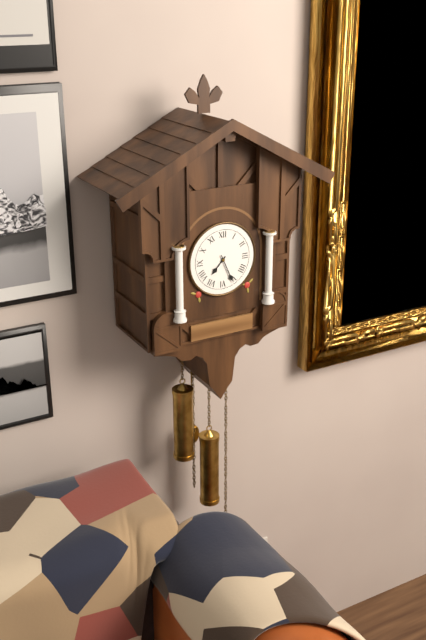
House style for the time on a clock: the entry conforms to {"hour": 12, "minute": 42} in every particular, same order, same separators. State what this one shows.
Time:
{"hour": 7, "minute": 26}
